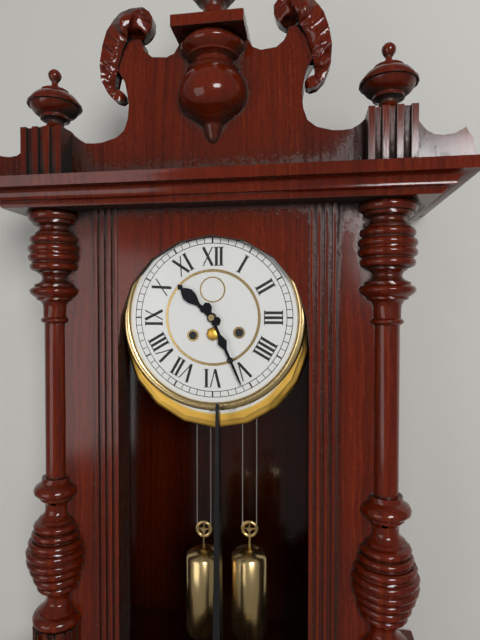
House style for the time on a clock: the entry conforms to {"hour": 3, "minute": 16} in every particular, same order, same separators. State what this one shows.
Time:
{"hour": 10, "minute": 26}
